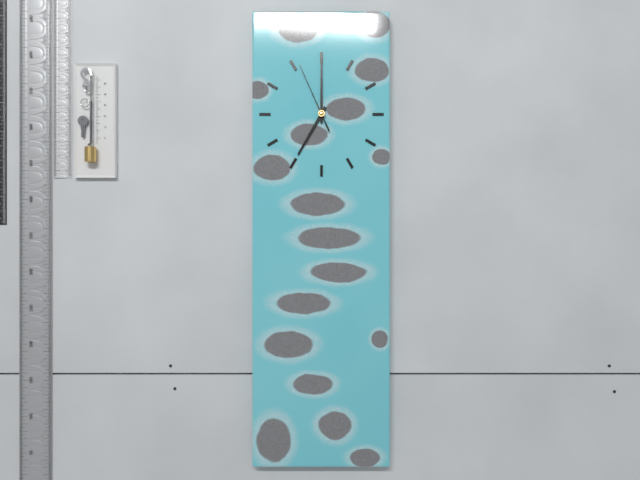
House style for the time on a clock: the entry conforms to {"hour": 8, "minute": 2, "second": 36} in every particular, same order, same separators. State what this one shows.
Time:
{"hour": 7, "minute": 0, "second": 56}
